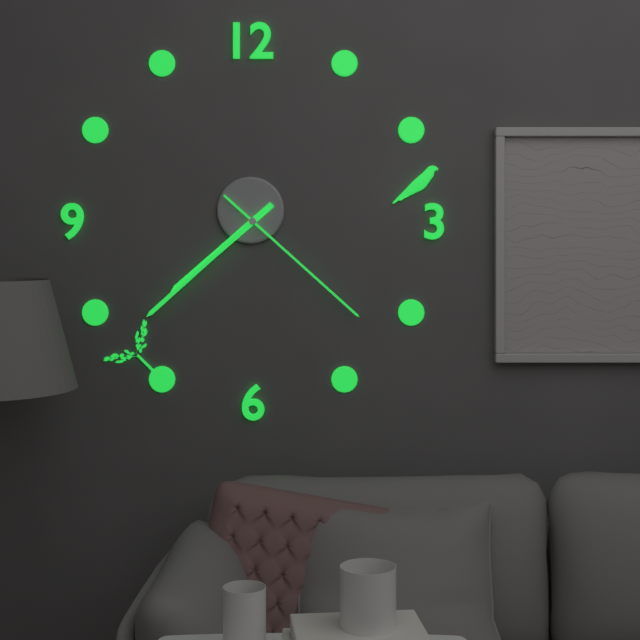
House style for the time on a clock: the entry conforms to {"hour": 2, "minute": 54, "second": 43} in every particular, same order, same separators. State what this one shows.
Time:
{"hour": 7, "minute": 38, "second": 22}
